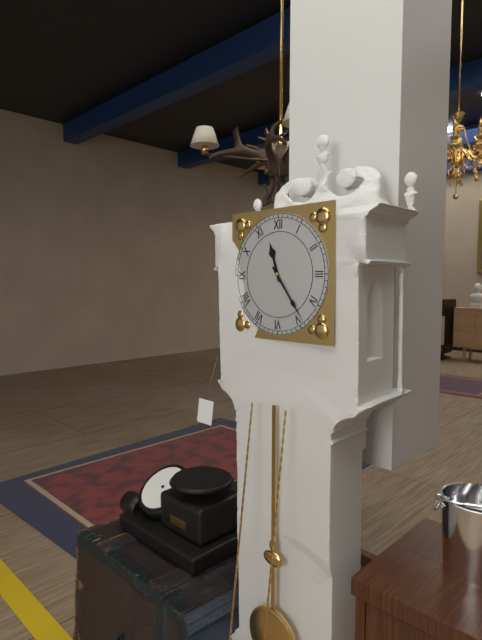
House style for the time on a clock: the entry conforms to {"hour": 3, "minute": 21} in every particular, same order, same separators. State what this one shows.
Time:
{"hour": 11, "minute": 24}
